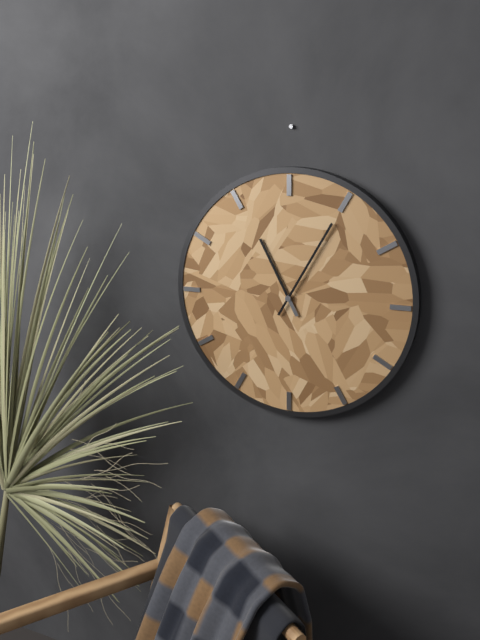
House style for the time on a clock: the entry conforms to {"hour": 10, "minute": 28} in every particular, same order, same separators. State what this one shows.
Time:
{"hour": 11, "minute": 5}
